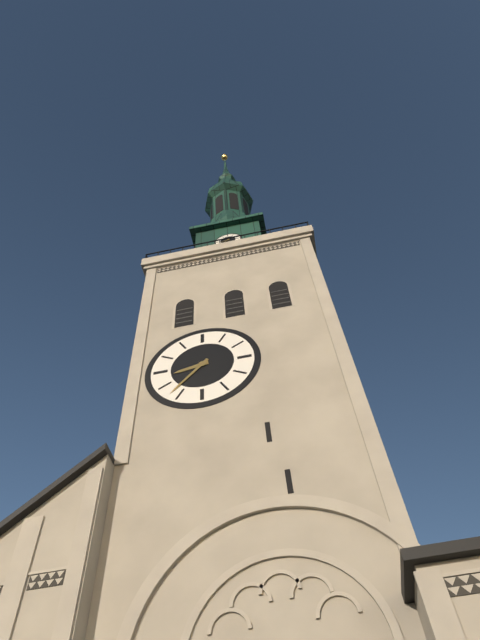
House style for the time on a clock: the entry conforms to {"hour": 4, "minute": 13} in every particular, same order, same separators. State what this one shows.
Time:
{"hour": 8, "minute": 37}
